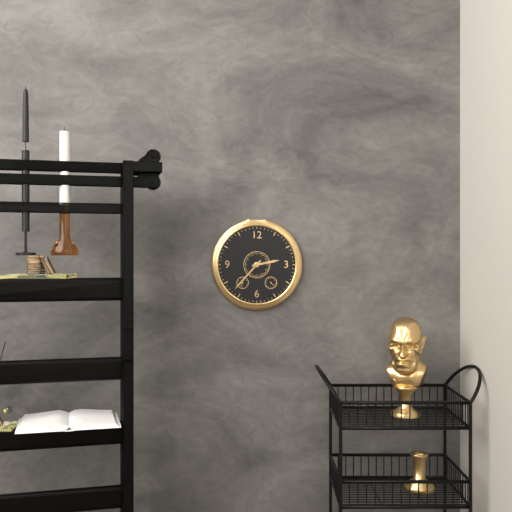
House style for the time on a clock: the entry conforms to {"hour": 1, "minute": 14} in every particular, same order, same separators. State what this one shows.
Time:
{"hour": 2, "minute": 37}
